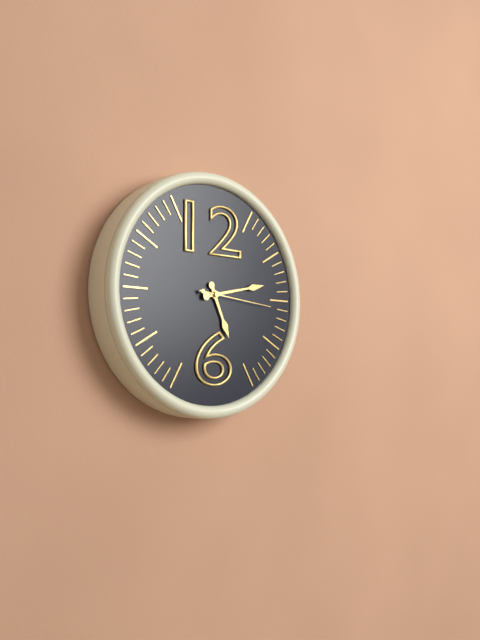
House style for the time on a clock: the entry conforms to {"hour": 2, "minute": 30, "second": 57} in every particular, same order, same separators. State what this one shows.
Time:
{"hour": 5, "minute": 13, "second": 16}
